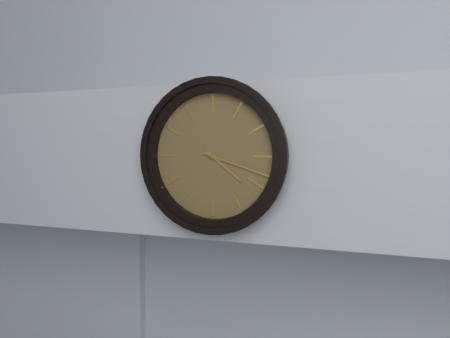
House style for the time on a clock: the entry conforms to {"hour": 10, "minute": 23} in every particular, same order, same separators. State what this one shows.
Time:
{"hour": 4, "minute": 18}
